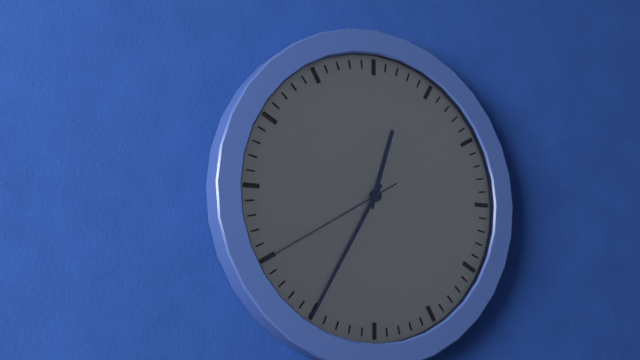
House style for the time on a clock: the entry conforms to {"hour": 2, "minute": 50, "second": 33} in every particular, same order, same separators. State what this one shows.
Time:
{"hour": 12, "minute": 35, "second": 40}
